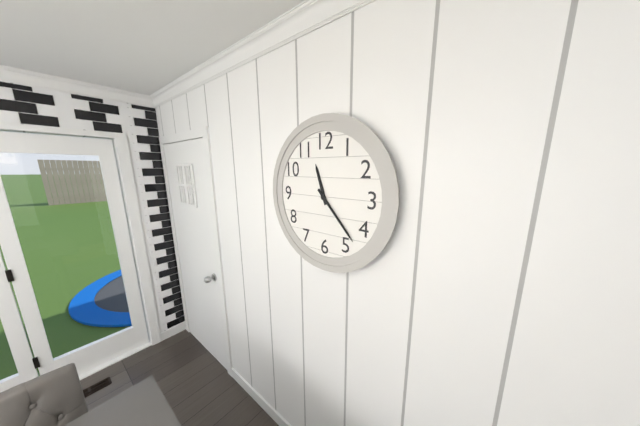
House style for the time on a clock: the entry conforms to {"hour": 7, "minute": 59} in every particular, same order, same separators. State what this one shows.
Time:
{"hour": 11, "minute": 23}
